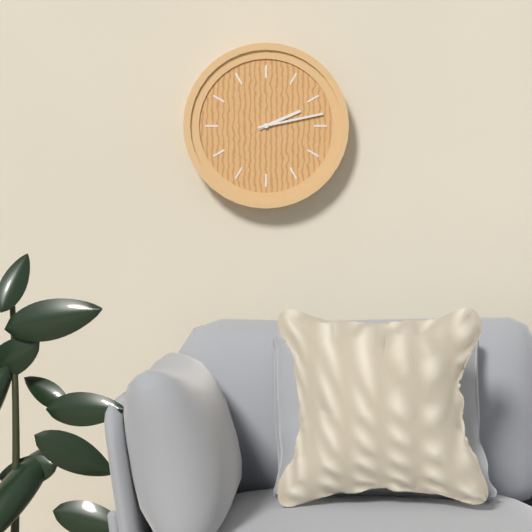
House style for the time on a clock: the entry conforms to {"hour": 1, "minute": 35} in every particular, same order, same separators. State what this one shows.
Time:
{"hour": 2, "minute": 13}
